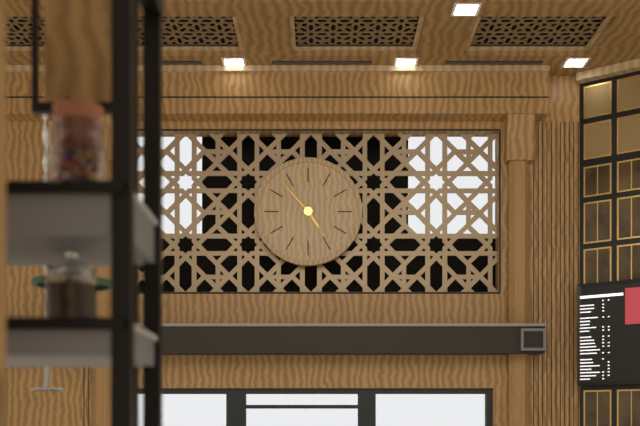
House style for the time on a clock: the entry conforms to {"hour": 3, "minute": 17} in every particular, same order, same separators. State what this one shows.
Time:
{"hour": 4, "minute": 53}
